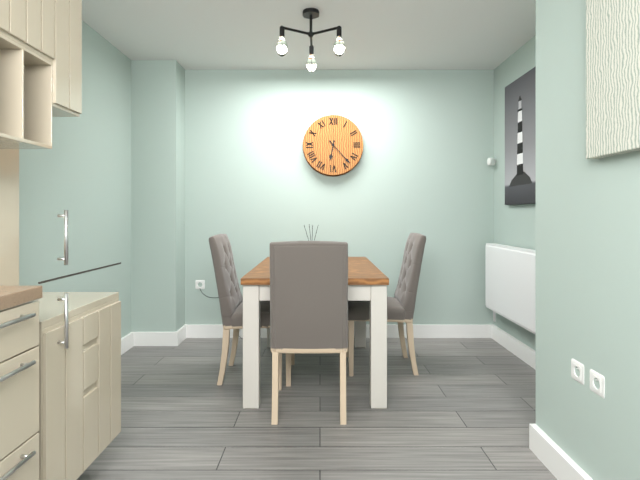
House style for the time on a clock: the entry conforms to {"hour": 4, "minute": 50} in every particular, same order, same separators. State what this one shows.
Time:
{"hour": 6, "minute": 23}
